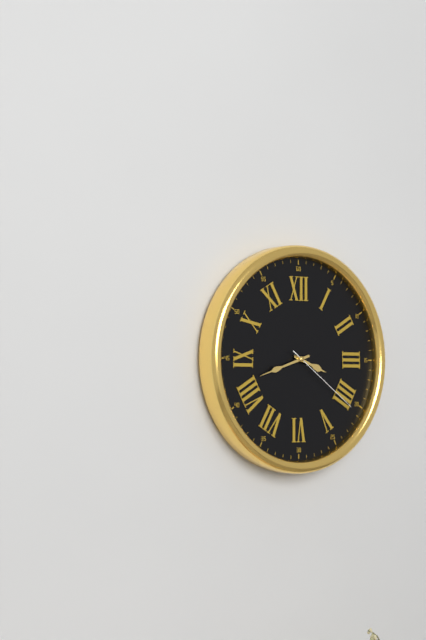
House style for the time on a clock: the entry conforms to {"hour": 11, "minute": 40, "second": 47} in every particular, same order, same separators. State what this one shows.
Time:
{"hour": 3, "minute": 42, "second": 21}
